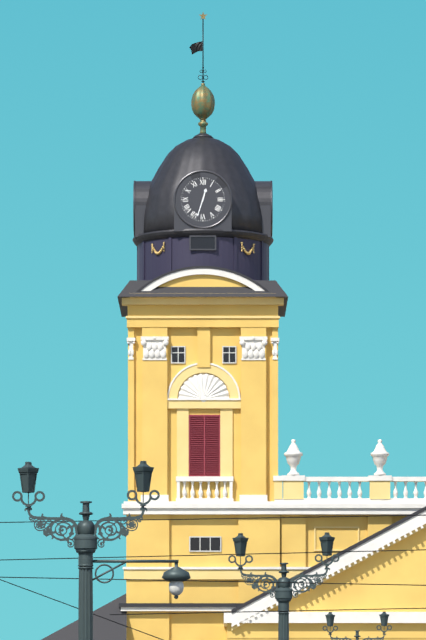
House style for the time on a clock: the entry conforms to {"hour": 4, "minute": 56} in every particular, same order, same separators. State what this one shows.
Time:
{"hour": 12, "minute": 33}
